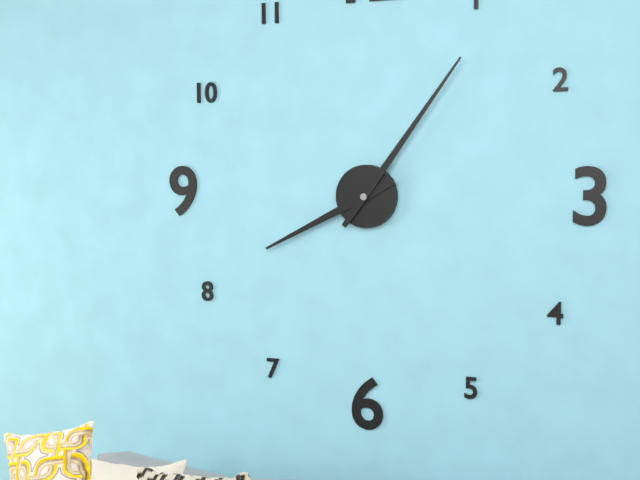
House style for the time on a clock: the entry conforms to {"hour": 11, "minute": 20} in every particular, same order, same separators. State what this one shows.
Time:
{"hour": 8, "minute": 6}
